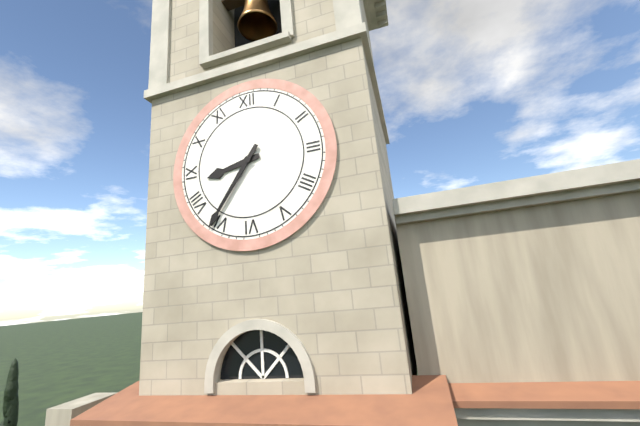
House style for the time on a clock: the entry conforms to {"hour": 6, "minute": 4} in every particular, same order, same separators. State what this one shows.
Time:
{"hour": 8, "minute": 36}
